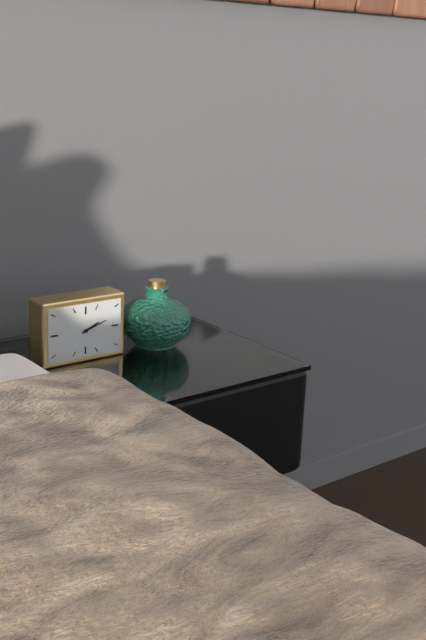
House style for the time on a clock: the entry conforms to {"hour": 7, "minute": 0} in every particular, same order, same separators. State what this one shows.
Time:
{"hour": 2, "minute": 12}
